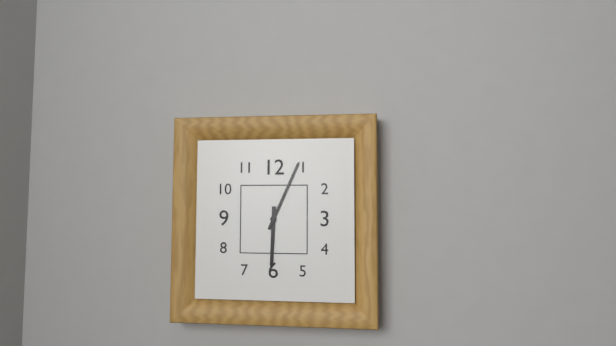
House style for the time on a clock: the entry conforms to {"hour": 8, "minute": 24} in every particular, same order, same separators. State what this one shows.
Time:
{"hour": 6, "minute": 4}
